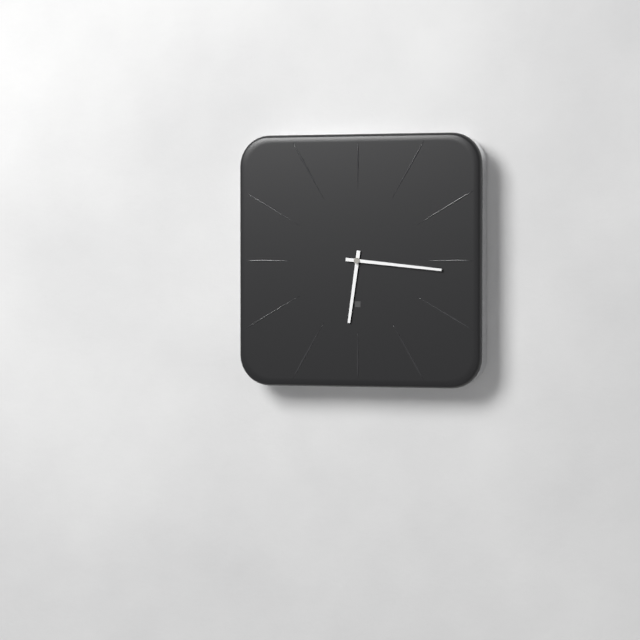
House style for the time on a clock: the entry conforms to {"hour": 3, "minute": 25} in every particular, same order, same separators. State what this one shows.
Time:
{"hour": 6, "minute": 16}
